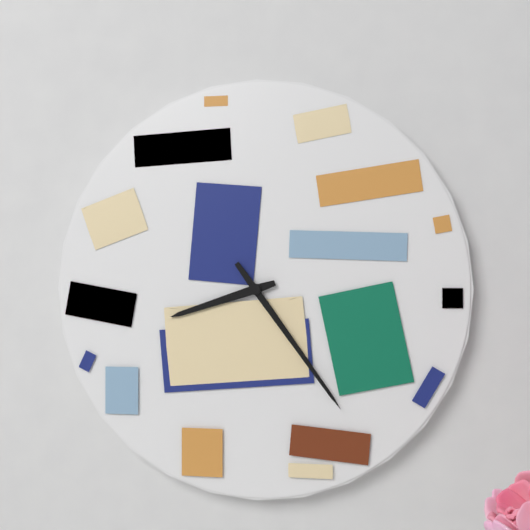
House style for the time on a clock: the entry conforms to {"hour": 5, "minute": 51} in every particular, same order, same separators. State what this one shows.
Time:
{"hour": 8, "minute": 24}
